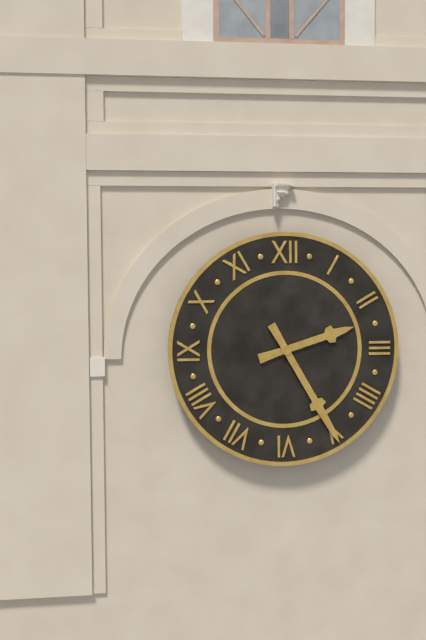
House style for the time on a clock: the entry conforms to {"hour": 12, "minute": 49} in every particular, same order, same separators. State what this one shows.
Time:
{"hour": 2, "minute": 25}
